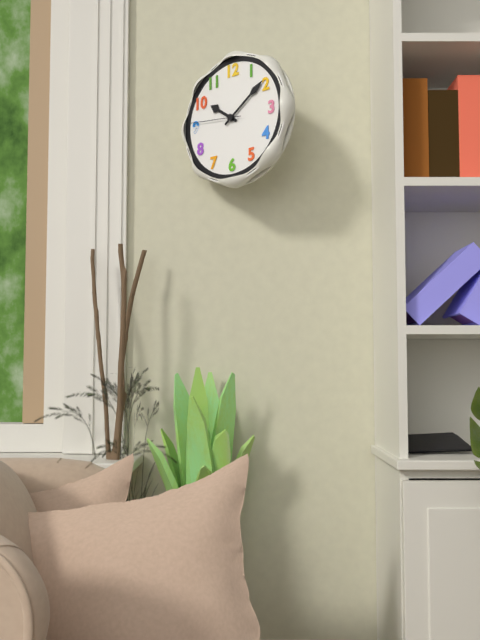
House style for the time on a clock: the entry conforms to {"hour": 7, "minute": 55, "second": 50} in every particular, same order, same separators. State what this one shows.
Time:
{"hour": 10, "minute": 9, "second": 46}
